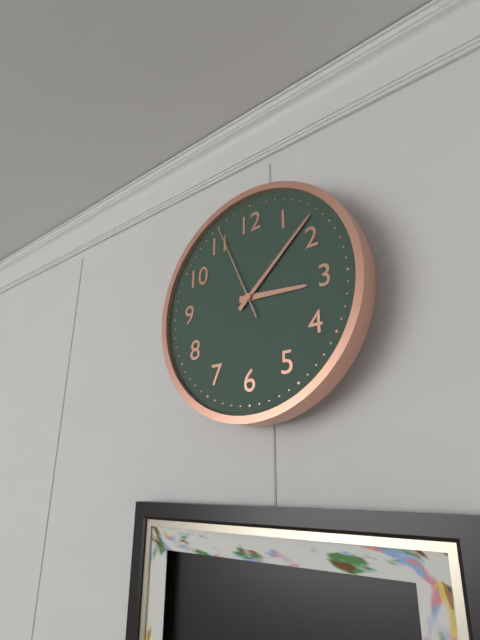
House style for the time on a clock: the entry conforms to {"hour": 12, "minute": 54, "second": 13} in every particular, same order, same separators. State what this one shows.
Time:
{"hour": 3, "minute": 8, "second": 56}
